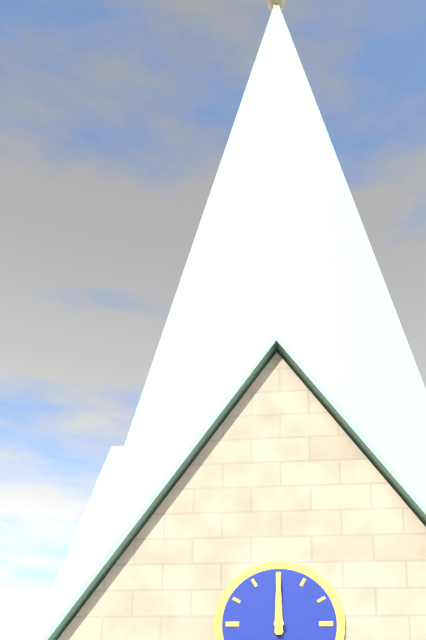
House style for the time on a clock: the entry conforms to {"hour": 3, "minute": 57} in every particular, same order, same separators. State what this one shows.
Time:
{"hour": 12, "minute": 0}
